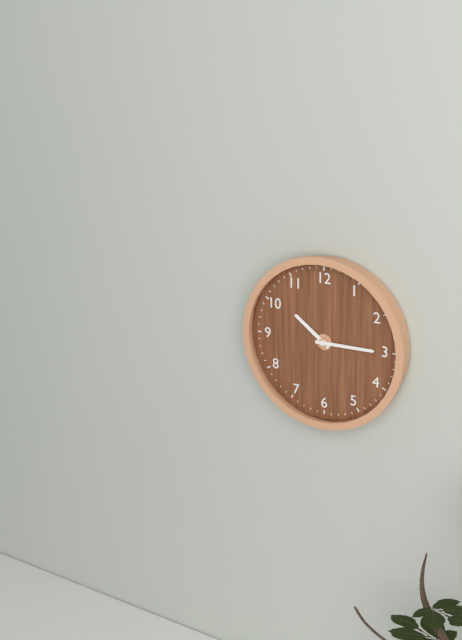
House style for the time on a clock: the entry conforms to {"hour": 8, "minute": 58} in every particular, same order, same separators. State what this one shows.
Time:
{"hour": 10, "minute": 15}
